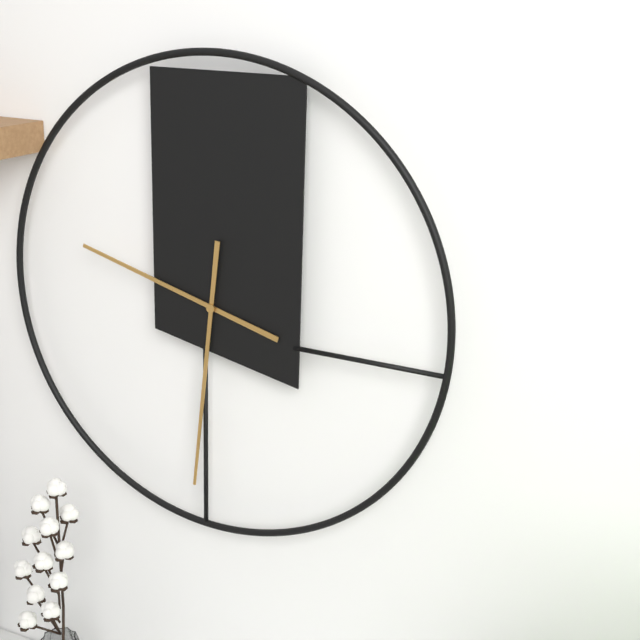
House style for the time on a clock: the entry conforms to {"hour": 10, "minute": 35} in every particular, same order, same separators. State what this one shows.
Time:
{"hour": 9, "minute": 31}
